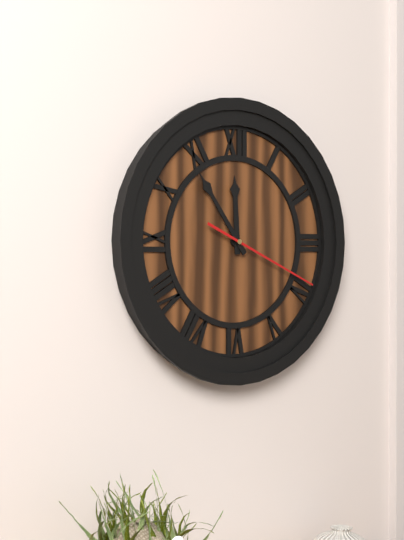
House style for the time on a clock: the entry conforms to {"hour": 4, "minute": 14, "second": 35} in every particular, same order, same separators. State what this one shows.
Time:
{"hour": 11, "minute": 54, "second": 19}
